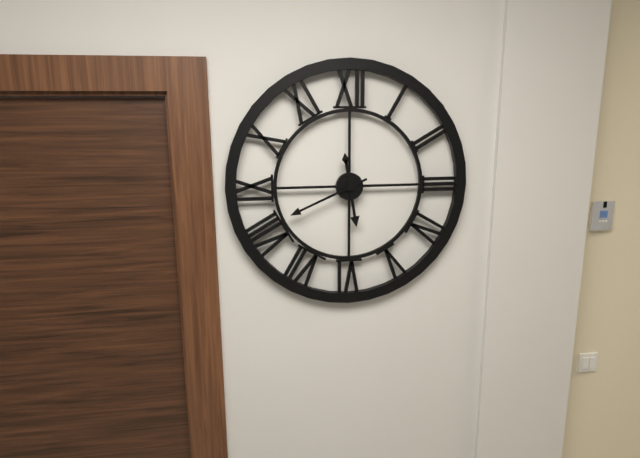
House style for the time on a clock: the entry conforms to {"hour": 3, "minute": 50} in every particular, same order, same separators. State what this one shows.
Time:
{"hour": 5, "minute": 41}
